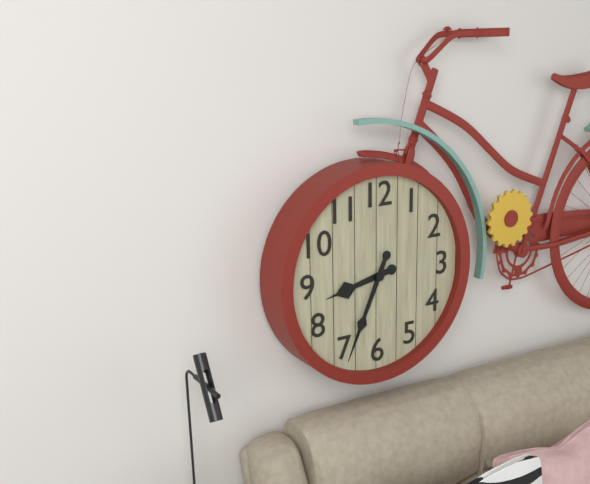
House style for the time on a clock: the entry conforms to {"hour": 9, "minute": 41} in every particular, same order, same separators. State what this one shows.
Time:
{"hour": 8, "minute": 34}
